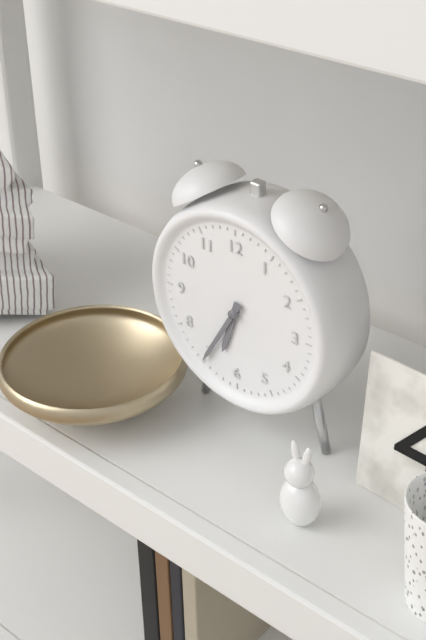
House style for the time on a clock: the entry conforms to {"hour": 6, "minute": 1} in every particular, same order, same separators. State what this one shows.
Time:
{"hour": 6, "minute": 35}
